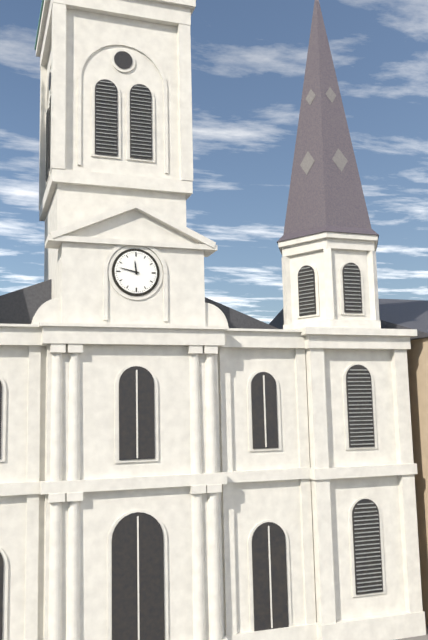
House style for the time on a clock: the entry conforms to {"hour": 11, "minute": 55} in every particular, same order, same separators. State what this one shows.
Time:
{"hour": 11, "minute": 47}
